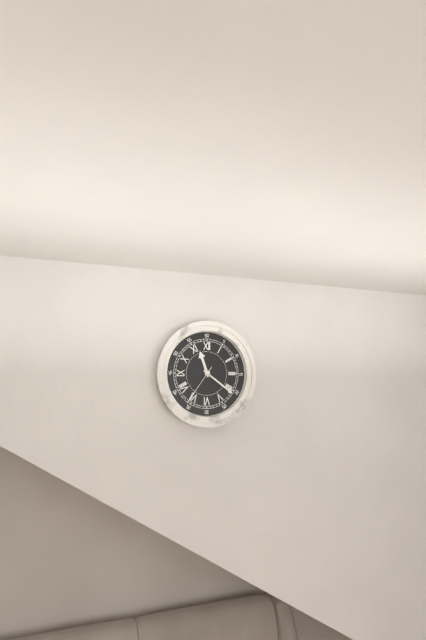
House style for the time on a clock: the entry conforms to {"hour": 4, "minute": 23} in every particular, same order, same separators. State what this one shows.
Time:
{"hour": 11, "minute": 21}
